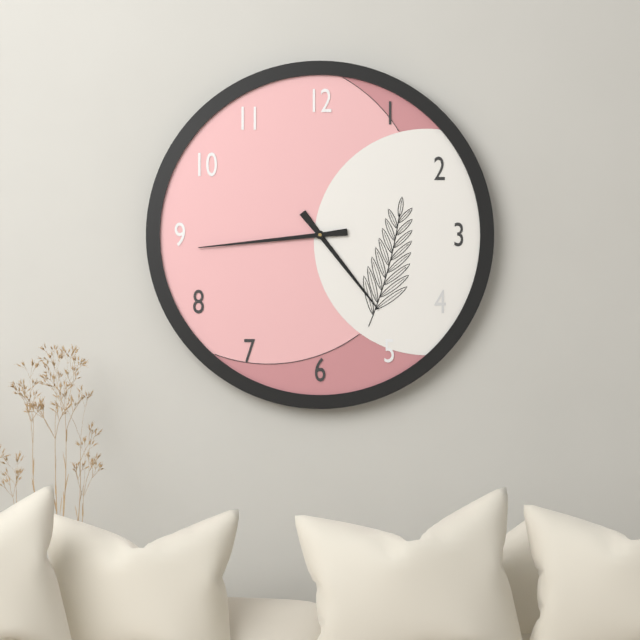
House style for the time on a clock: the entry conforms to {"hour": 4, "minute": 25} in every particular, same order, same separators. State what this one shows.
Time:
{"hour": 4, "minute": 44}
